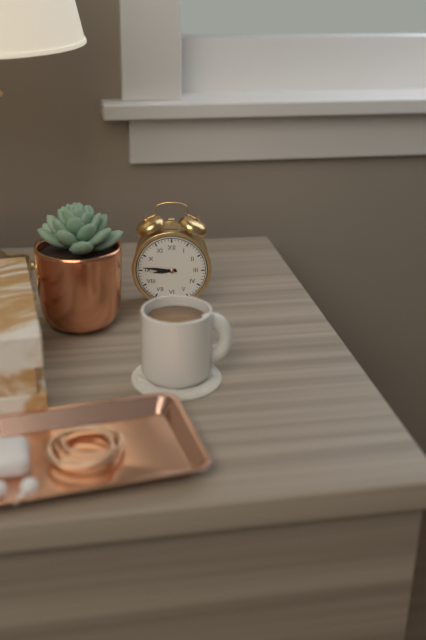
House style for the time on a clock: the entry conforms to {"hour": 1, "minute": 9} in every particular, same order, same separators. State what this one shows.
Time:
{"hour": 8, "minute": 46}
